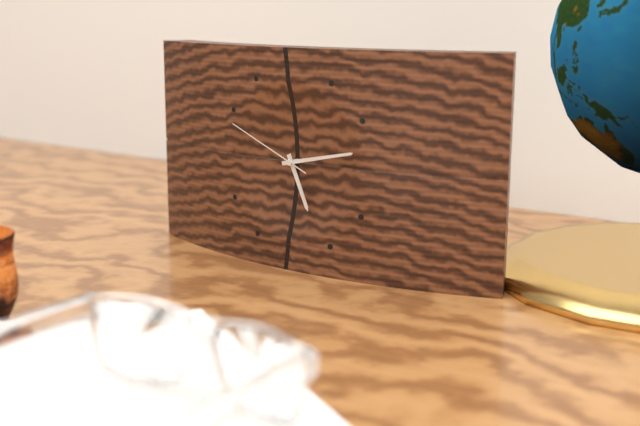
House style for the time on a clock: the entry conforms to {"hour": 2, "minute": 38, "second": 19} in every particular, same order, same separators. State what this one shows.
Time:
{"hour": 5, "minute": 13, "second": 49}
